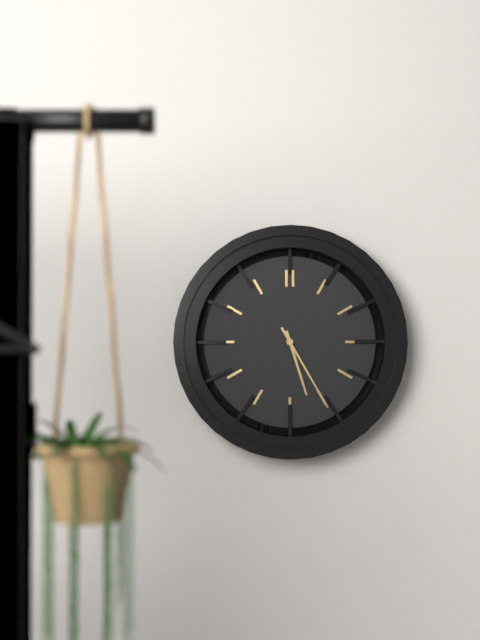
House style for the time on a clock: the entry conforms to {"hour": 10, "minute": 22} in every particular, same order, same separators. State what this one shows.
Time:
{"hour": 5, "minute": 25}
